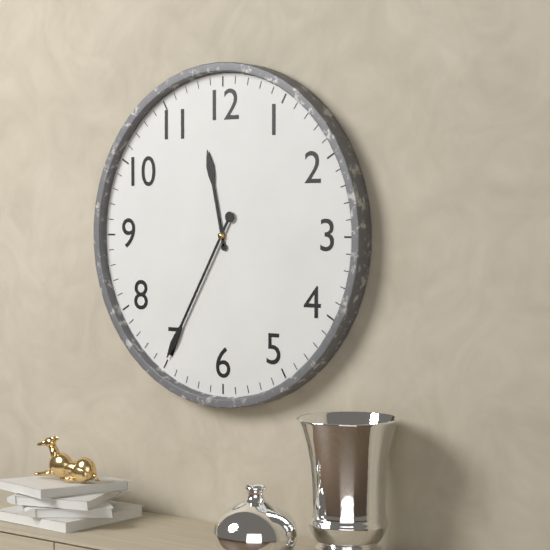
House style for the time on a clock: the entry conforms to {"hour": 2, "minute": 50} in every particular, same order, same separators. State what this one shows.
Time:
{"hour": 11, "minute": 35}
